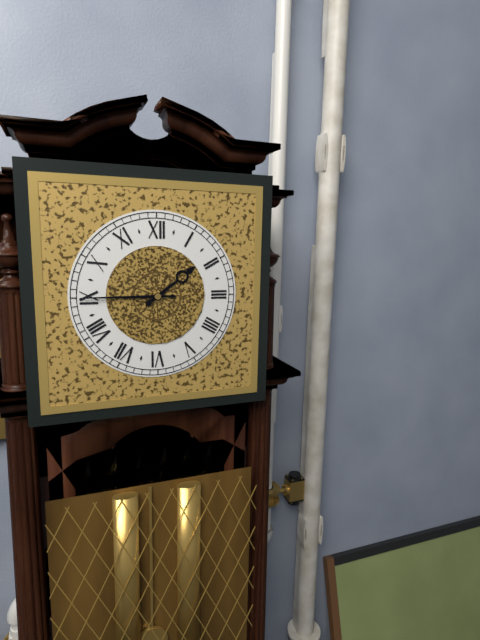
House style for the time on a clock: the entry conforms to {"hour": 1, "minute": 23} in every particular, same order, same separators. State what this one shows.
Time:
{"hour": 1, "minute": 45}
